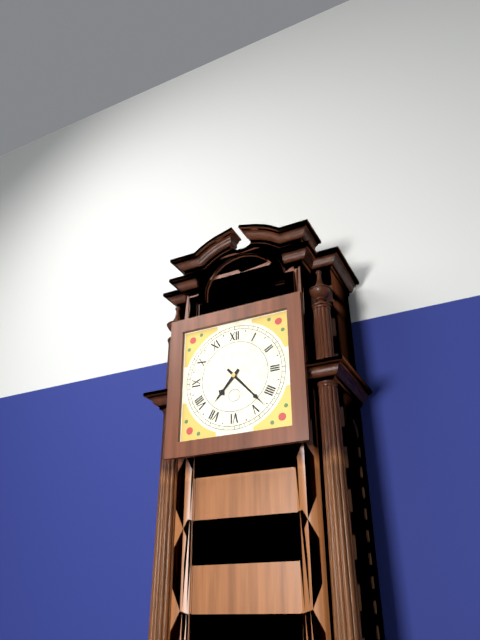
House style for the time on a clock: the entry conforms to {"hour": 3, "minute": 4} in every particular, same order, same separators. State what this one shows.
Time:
{"hour": 7, "minute": 23}
